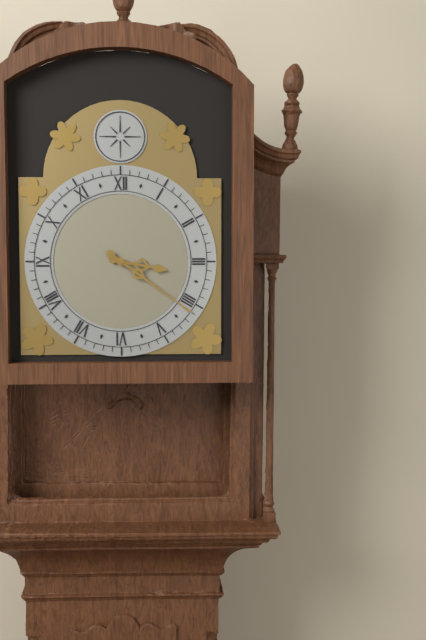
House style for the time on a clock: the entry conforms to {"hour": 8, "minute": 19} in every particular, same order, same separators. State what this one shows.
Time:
{"hour": 3, "minute": 21}
